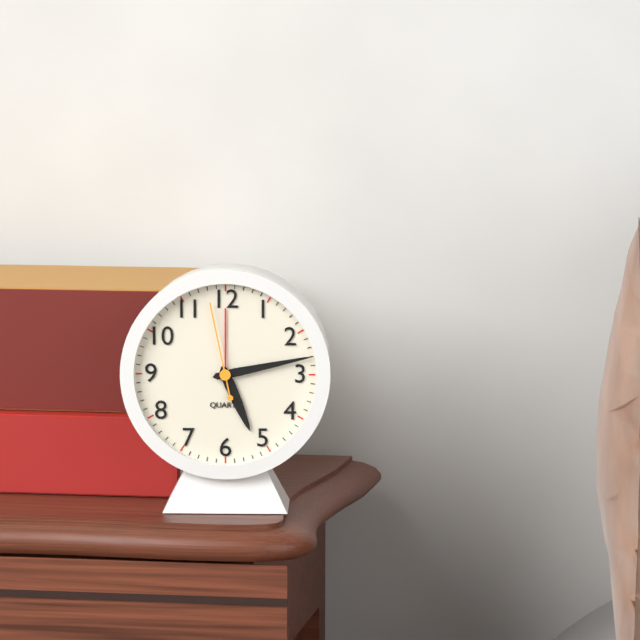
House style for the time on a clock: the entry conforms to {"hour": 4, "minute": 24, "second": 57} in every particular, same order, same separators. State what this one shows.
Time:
{"hour": 5, "minute": 13, "second": 58}
